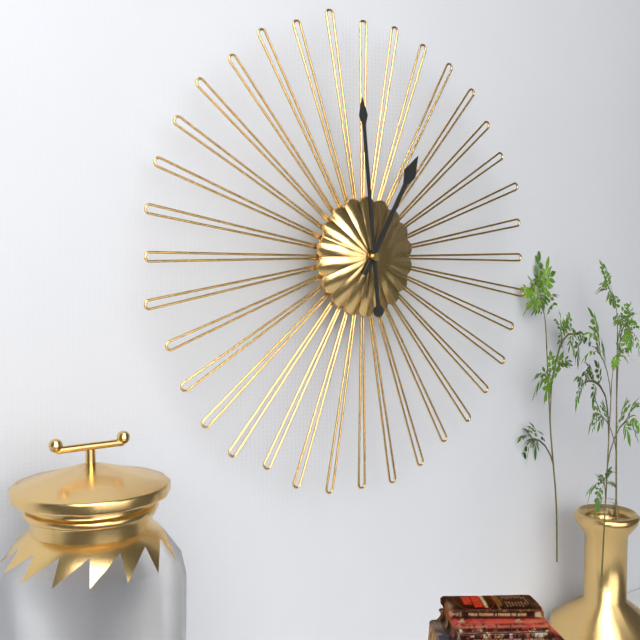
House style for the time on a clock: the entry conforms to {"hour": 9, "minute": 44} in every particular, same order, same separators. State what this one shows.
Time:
{"hour": 12, "minute": 59}
